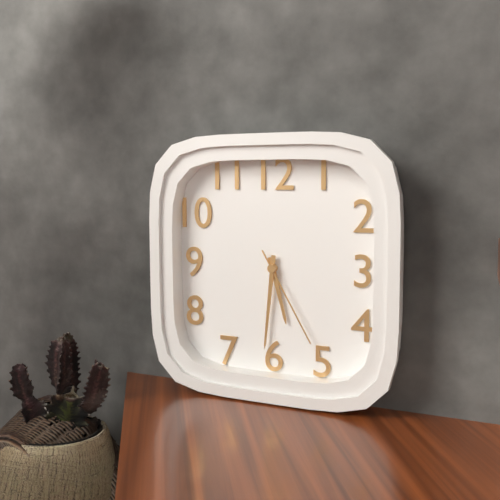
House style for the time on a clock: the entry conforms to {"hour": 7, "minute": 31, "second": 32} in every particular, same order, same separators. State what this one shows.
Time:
{"hour": 5, "minute": 31, "second": 25}
